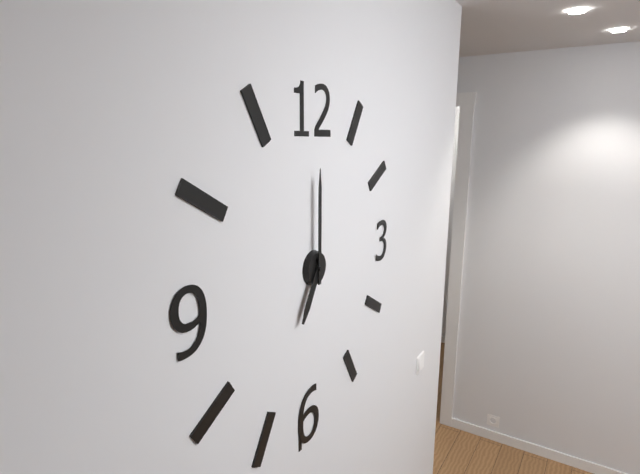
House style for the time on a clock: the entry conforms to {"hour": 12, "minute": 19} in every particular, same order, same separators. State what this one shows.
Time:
{"hour": 7, "minute": 0}
